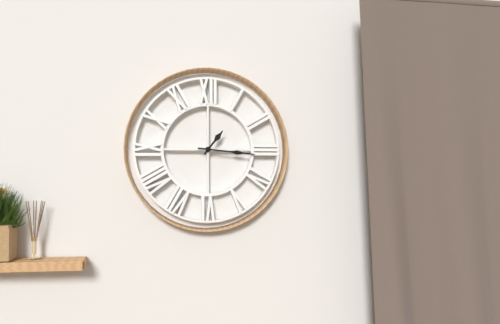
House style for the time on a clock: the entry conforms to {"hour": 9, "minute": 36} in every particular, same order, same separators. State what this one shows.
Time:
{"hour": 1, "minute": 16}
